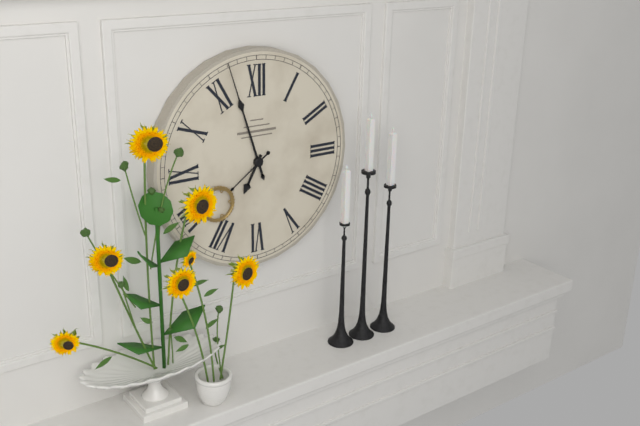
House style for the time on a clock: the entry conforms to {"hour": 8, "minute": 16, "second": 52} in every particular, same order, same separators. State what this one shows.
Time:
{"hour": 6, "minute": 57, "second": 39}
